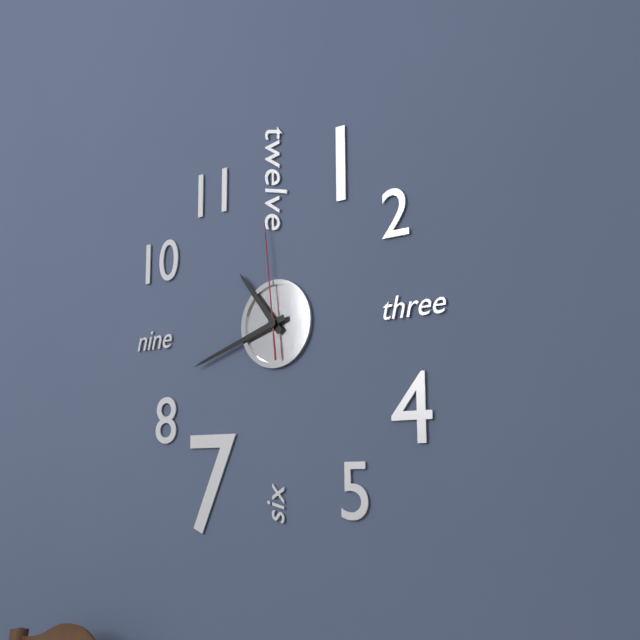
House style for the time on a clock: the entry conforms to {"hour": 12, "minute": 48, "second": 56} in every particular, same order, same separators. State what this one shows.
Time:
{"hour": 10, "minute": 42, "second": 59}
